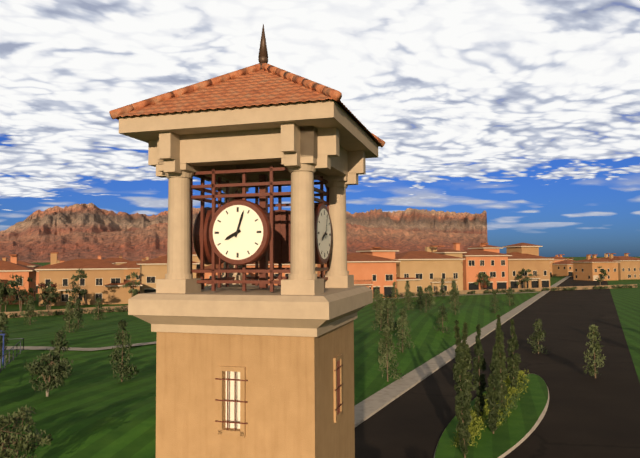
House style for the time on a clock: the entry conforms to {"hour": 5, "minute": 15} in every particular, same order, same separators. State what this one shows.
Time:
{"hour": 8, "minute": 3}
